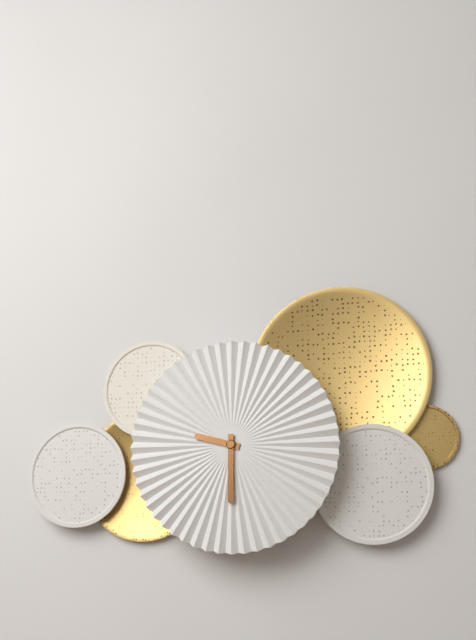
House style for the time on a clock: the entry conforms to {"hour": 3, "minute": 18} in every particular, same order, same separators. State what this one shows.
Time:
{"hour": 9, "minute": 30}
